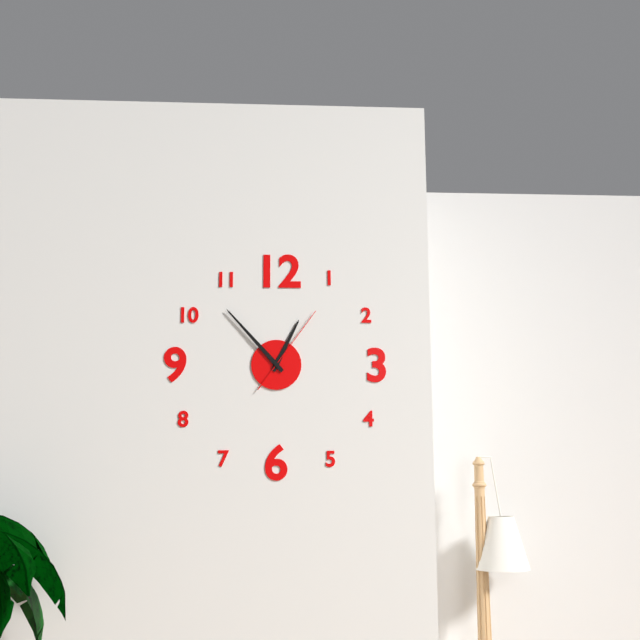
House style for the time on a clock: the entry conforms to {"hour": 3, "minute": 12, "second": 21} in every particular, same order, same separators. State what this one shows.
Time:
{"hour": 12, "minute": 53, "second": 6}
